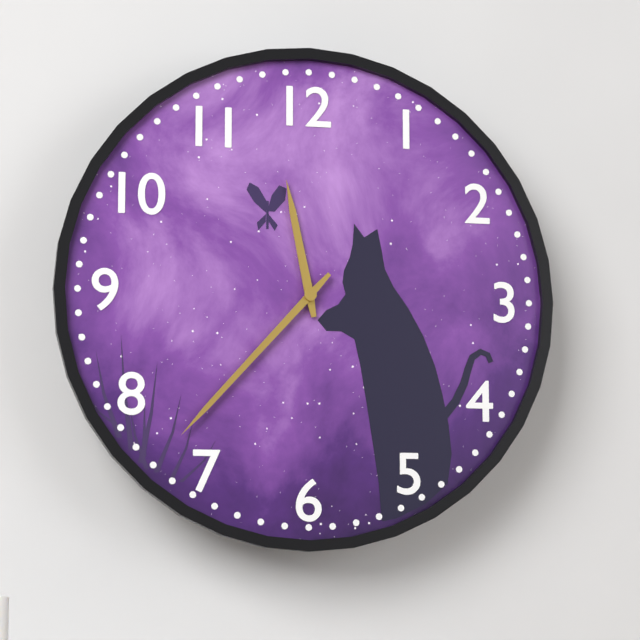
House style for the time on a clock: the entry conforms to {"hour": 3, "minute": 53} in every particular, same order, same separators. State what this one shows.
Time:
{"hour": 11, "minute": 37}
